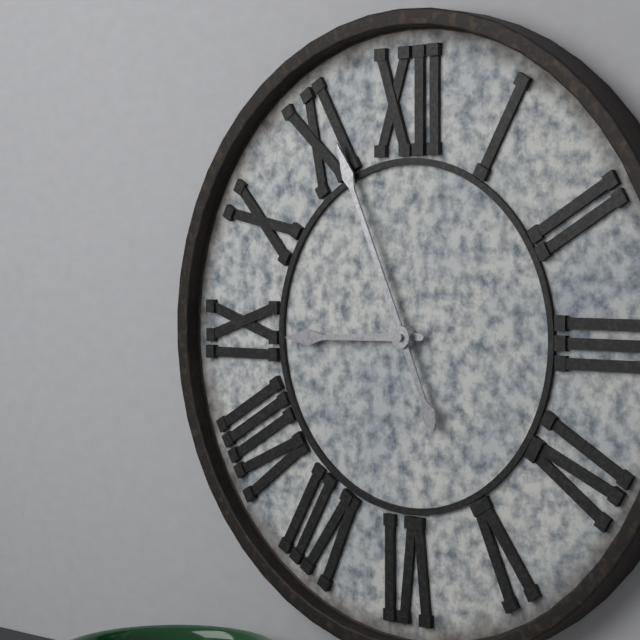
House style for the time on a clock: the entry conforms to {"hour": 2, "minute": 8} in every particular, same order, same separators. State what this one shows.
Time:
{"hour": 8, "minute": 56}
